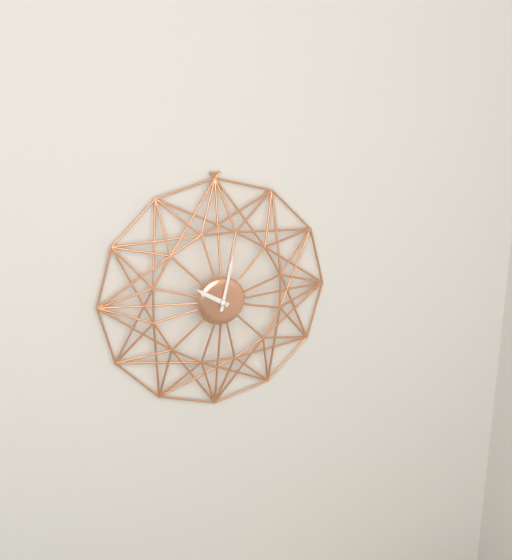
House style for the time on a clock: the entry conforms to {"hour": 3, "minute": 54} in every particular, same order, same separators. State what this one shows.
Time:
{"hour": 10, "minute": 2}
